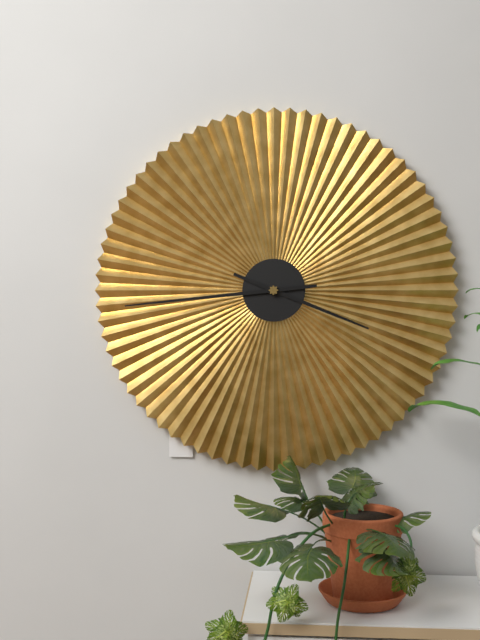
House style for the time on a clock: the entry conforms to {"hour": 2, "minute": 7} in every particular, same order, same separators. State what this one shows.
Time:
{"hour": 3, "minute": 44}
